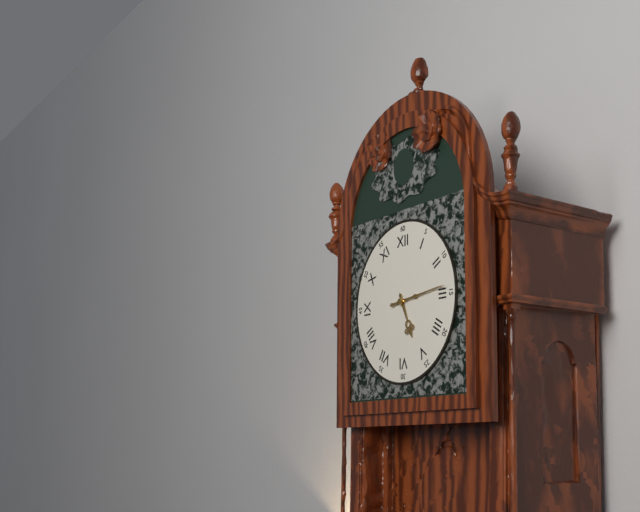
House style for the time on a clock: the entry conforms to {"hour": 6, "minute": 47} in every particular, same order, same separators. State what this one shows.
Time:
{"hour": 5, "minute": 14}
